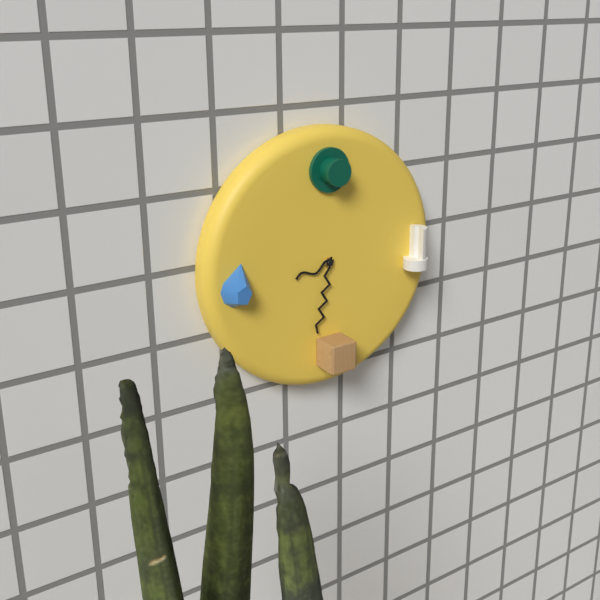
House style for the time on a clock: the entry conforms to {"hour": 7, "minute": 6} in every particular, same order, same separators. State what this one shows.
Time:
{"hour": 8, "minute": 32}
